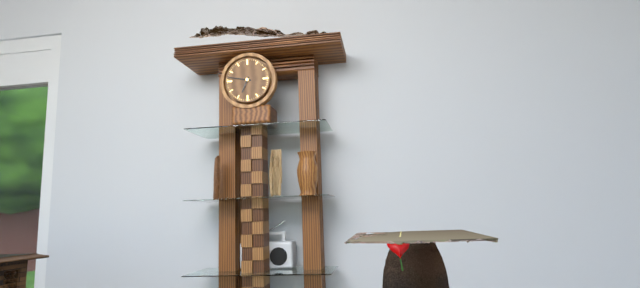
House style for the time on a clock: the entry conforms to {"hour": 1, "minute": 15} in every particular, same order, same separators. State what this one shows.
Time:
{"hour": 6, "minute": 47}
